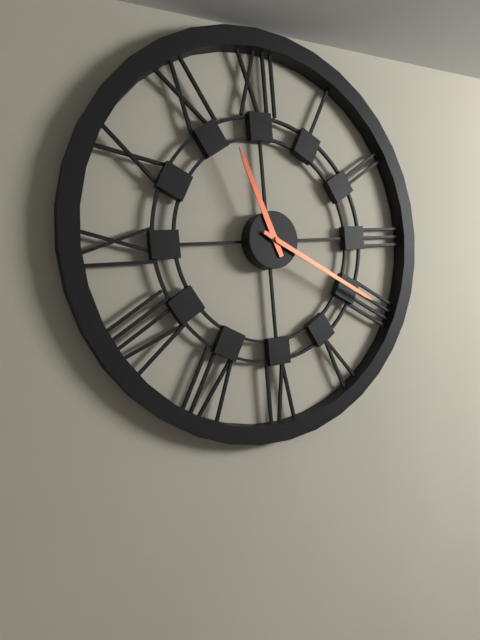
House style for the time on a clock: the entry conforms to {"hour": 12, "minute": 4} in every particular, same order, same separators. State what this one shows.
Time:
{"hour": 11, "minute": 20}
